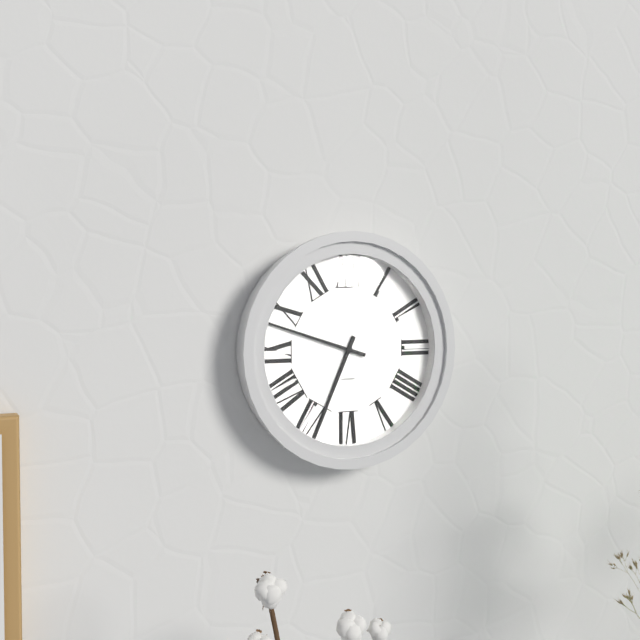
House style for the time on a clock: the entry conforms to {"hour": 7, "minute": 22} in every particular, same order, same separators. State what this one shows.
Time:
{"hour": 6, "minute": 48}
